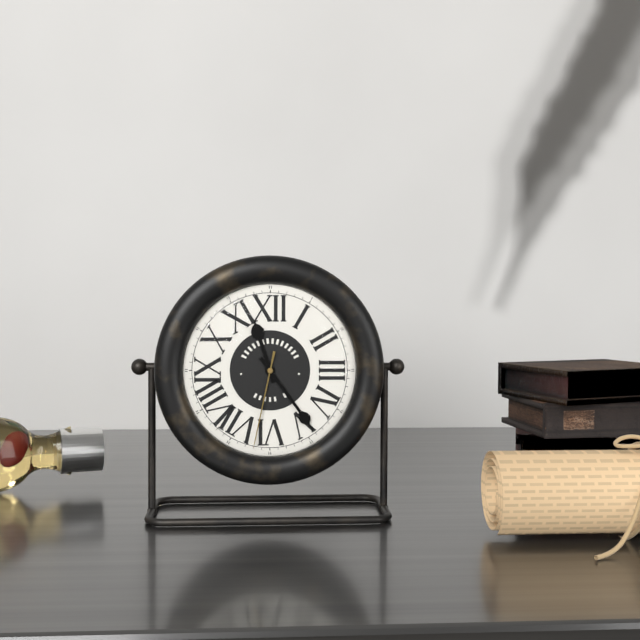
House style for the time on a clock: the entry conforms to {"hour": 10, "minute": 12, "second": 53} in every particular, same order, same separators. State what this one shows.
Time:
{"hour": 11, "minute": 24, "second": 32}
